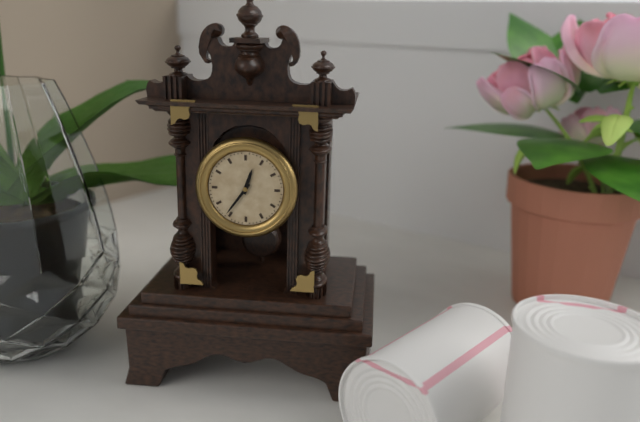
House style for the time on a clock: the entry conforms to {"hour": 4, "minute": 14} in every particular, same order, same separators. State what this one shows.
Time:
{"hour": 12, "minute": 36}
